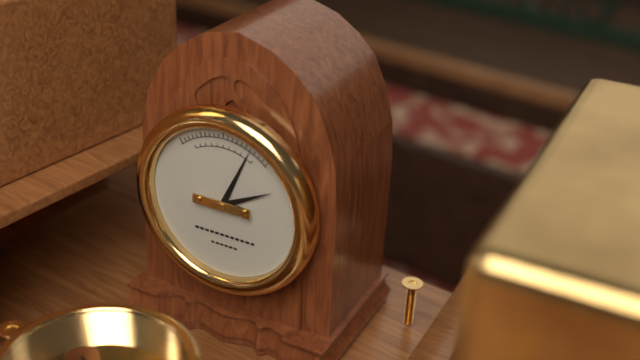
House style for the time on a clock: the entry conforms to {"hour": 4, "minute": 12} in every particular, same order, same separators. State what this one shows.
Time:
{"hour": 2, "minute": 4}
